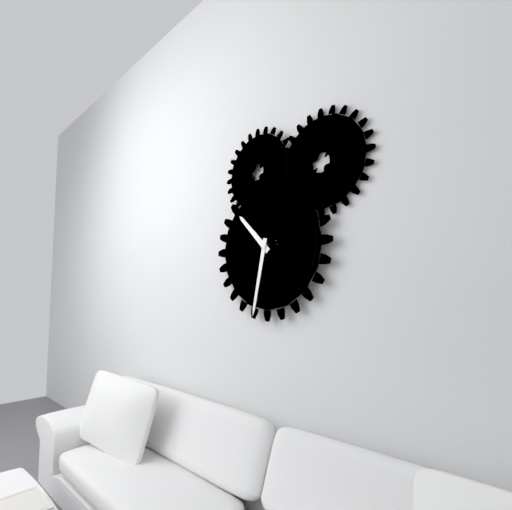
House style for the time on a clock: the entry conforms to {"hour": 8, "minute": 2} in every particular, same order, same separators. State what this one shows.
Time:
{"hour": 10, "minute": 32}
